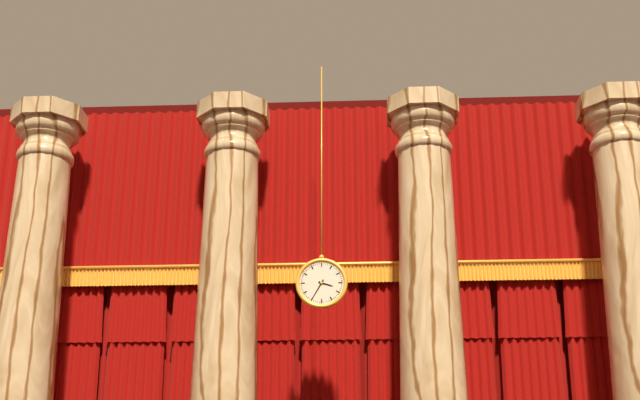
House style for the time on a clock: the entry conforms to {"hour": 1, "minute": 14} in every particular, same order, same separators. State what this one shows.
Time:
{"hour": 3, "minute": 35}
